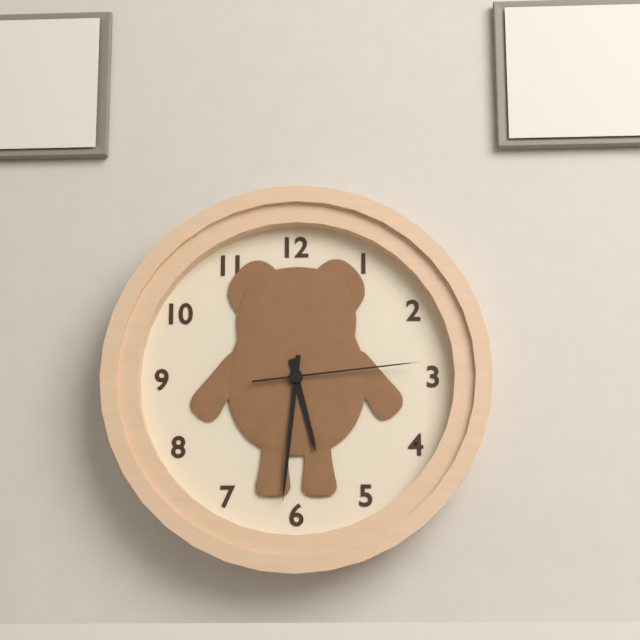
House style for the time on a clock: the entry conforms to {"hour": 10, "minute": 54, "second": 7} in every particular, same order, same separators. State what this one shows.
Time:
{"hour": 5, "minute": 31, "second": 14}
